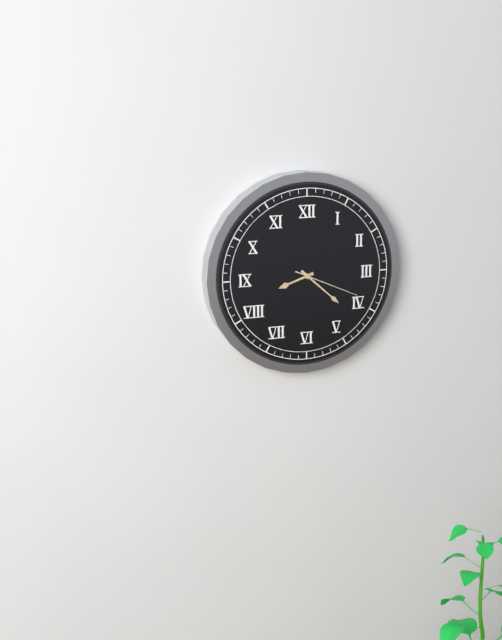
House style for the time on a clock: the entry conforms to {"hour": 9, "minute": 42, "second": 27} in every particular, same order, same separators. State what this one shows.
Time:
{"hour": 8, "minute": 22, "second": 19}
